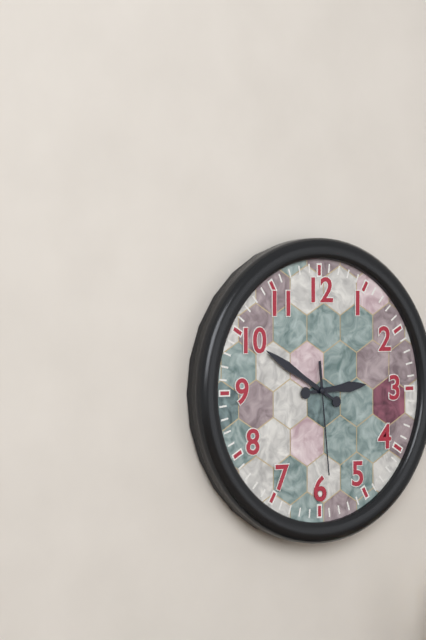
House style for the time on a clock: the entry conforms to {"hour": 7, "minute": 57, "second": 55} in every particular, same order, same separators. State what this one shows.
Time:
{"hour": 2, "minute": 50, "second": 29}
